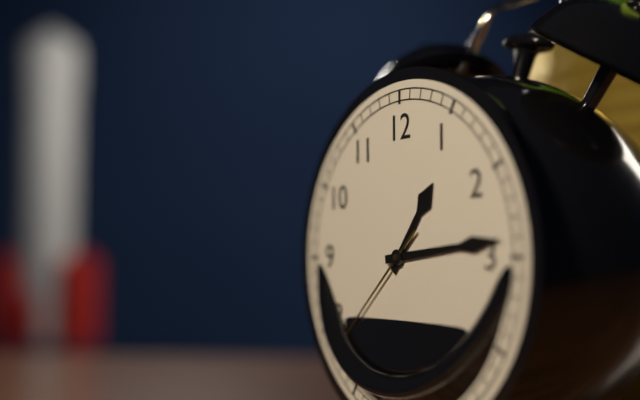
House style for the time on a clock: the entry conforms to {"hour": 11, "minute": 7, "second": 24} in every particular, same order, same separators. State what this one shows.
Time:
{"hour": 1, "minute": 14, "second": 38}
